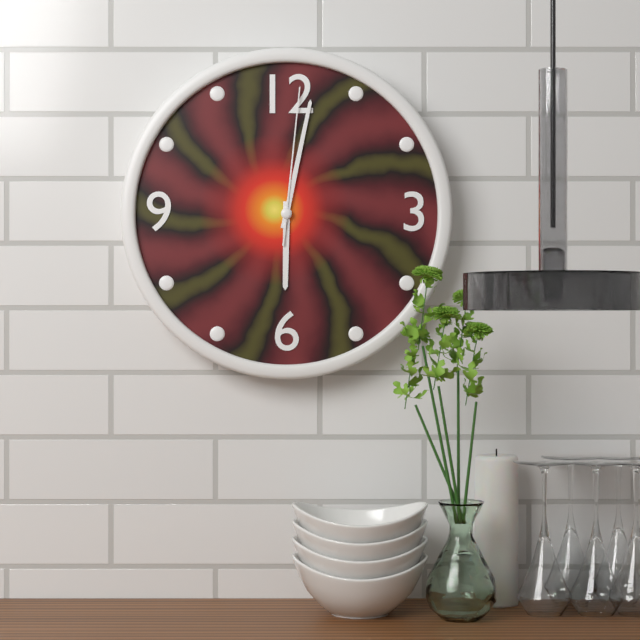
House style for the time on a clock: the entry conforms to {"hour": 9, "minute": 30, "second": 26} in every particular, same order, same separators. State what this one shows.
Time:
{"hour": 6, "minute": 2, "second": 1}
